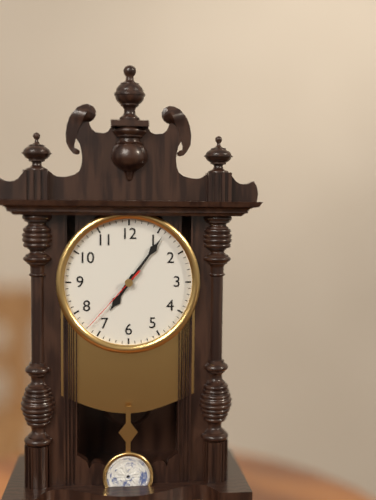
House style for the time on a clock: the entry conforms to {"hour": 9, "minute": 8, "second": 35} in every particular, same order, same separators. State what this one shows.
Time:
{"hour": 7, "minute": 6, "second": 37}
